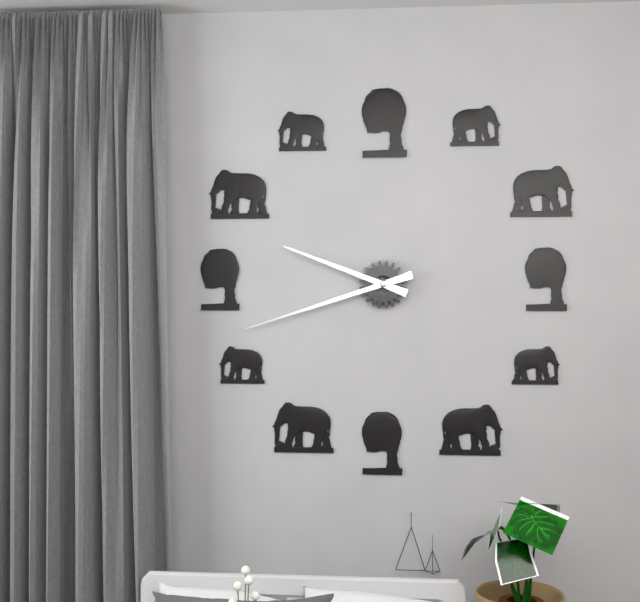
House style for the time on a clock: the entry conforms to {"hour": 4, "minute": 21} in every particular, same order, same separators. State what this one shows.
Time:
{"hour": 9, "minute": 42}
